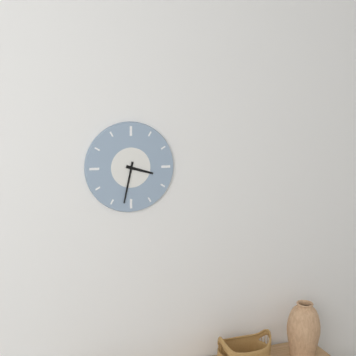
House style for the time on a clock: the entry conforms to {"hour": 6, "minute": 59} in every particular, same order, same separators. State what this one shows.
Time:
{"hour": 3, "minute": 32}
